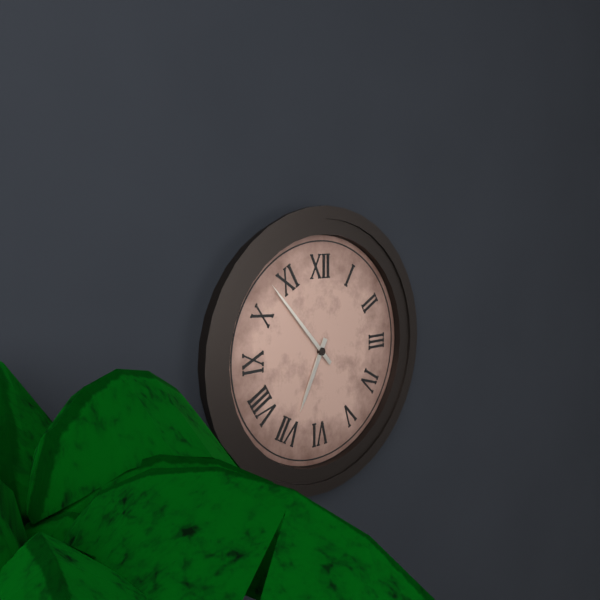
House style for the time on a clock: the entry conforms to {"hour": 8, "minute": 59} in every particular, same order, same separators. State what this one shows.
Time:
{"hour": 6, "minute": 53}
